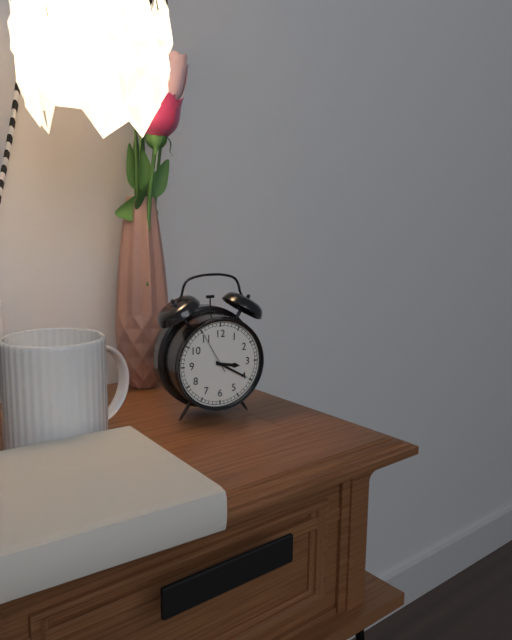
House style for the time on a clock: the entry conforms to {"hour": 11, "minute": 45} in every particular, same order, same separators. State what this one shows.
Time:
{"hour": 3, "minute": 20}
